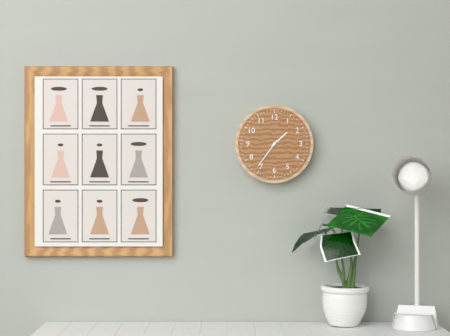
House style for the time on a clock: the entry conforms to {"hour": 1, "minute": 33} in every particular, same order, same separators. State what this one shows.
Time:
{"hour": 1, "minute": 36}
